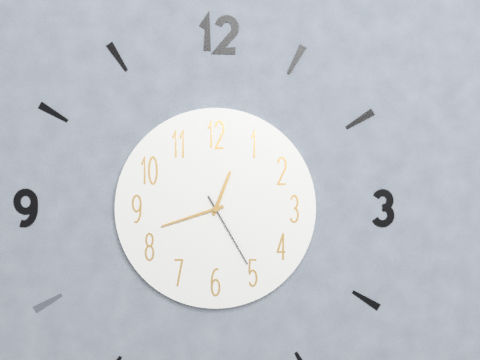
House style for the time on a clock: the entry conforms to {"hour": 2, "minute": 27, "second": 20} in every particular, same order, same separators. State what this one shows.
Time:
{"hour": 12, "minute": 42, "second": 25}
